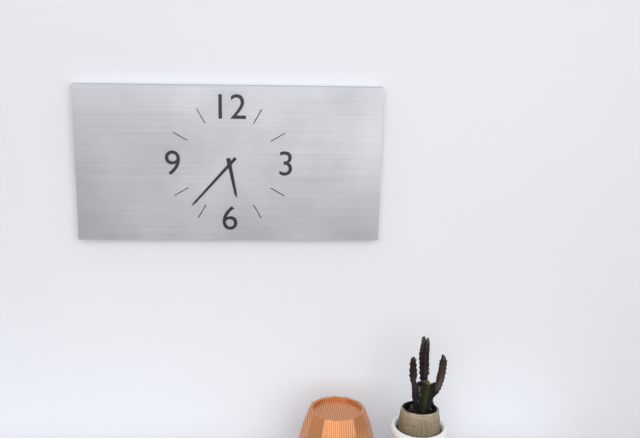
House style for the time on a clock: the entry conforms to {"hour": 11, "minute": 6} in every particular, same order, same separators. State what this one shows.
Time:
{"hour": 5, "minute": 37}
